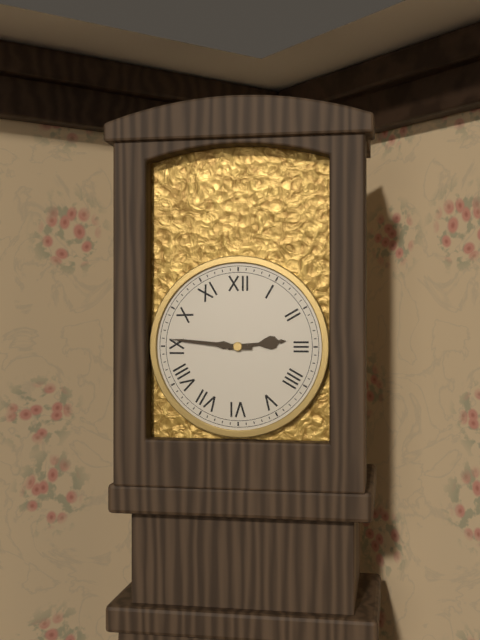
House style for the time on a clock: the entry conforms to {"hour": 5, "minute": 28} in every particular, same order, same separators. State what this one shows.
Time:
{"hour": 2, "minute": 46}
